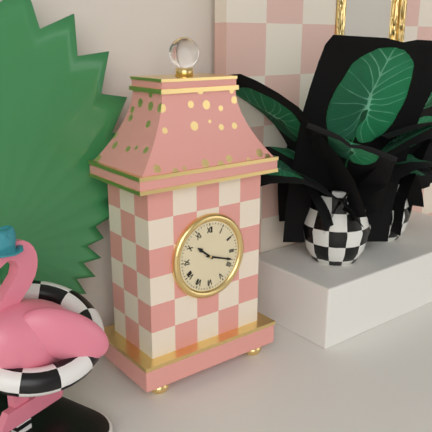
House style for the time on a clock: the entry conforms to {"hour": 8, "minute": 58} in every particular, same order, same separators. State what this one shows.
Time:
{"hour": 10, "minute": 18}
